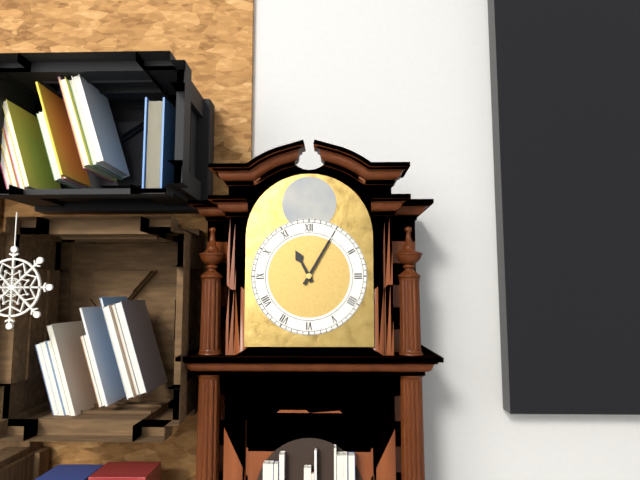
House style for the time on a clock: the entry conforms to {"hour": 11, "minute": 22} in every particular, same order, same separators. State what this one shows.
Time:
{"hour": 11, "minute": 5}
